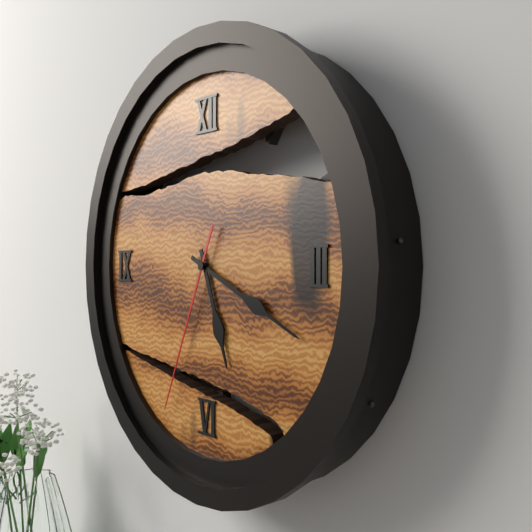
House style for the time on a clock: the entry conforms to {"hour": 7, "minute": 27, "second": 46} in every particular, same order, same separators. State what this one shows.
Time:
{"hour": 5, "minute": 19, "second": 34}
